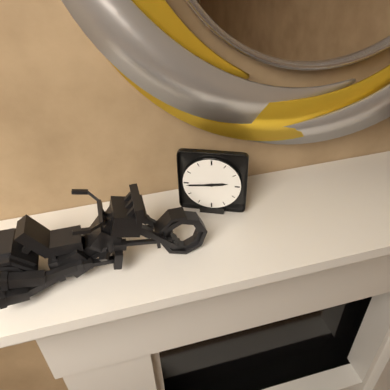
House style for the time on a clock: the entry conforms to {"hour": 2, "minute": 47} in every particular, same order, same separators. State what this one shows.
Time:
{"hour": 2, "minute": 44}
